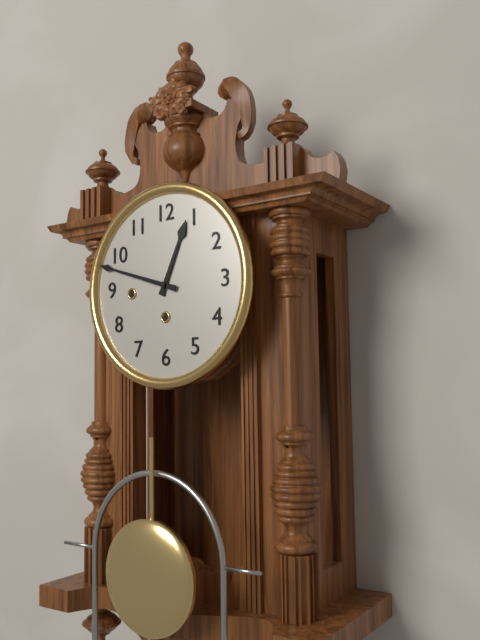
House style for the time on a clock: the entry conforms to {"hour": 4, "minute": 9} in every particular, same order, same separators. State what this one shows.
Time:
{"hour": 12, "minute": 48}
